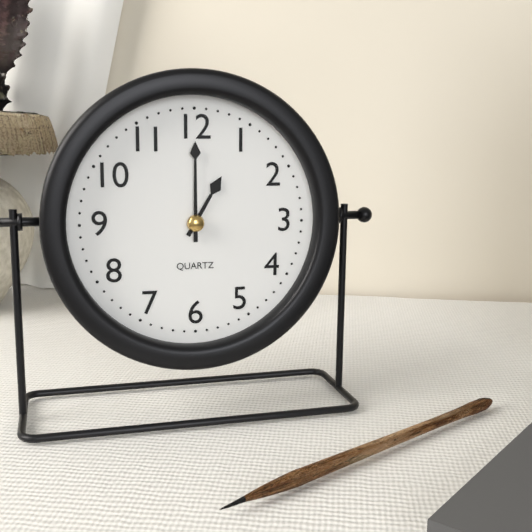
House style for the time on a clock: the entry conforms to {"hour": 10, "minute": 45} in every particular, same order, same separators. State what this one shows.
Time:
{"hour": 1, "minute": 0}
